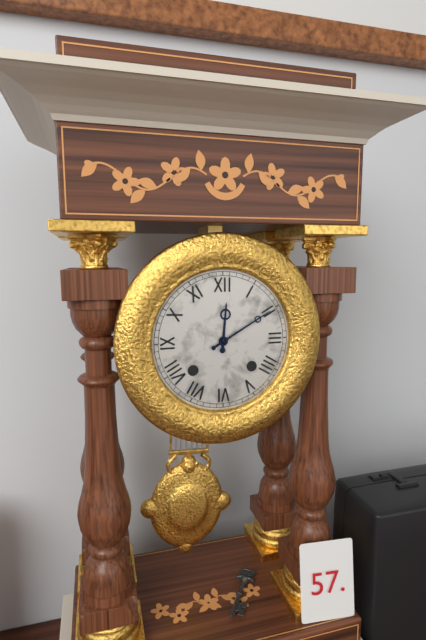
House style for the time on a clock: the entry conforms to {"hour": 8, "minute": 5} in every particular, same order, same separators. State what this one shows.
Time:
{"hour": 12, "minute": 10}
